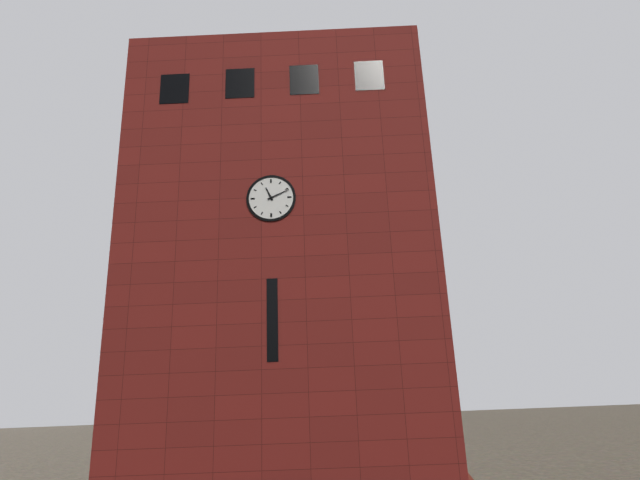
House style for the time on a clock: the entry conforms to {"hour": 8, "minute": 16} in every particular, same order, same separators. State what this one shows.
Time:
{"hour": 11, "minute": 11}
